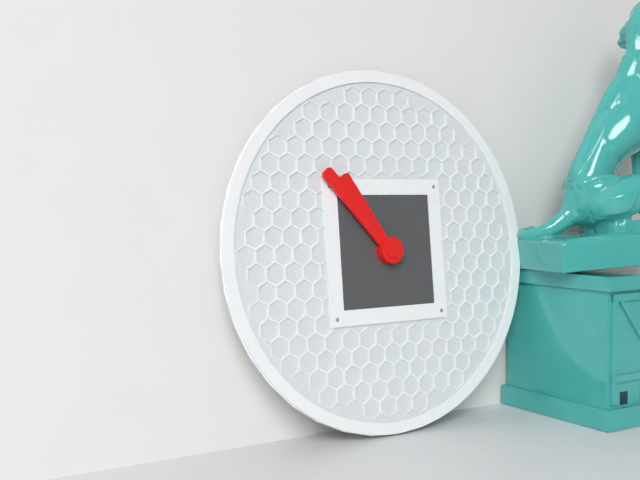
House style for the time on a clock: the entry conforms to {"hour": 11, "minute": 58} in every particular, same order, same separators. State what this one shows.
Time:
{"hour": 10, "minute": 53}
